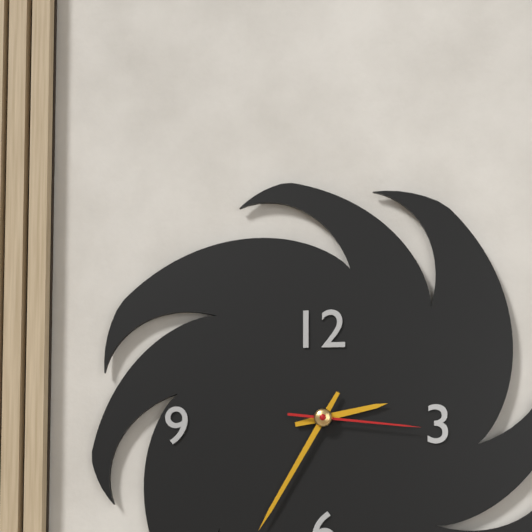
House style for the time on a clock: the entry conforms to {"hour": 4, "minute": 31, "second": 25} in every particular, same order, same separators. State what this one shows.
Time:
{"hour": 2, "minute": 35, "second": 16}
